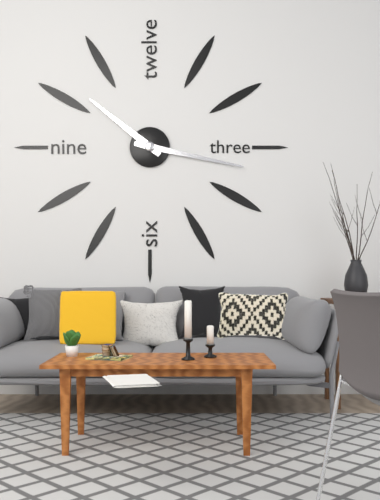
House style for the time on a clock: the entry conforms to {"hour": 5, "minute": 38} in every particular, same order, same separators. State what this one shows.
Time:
{"hour": 10, "minute": 17}
